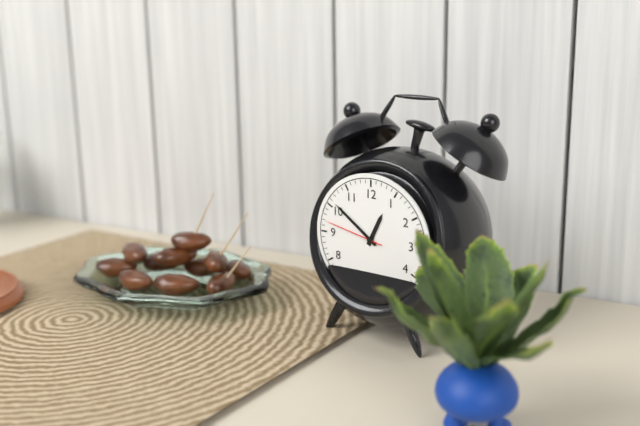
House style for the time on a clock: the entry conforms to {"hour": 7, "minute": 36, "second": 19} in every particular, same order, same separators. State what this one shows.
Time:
{"hour": 12, "minute": 51, "second": 47}
